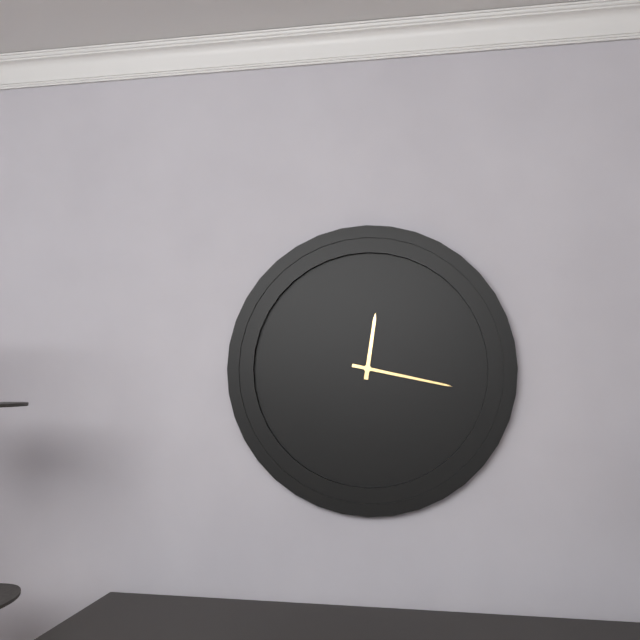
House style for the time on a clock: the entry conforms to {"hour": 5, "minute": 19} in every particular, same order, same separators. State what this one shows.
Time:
{"hour": 12, "minute": 17}
